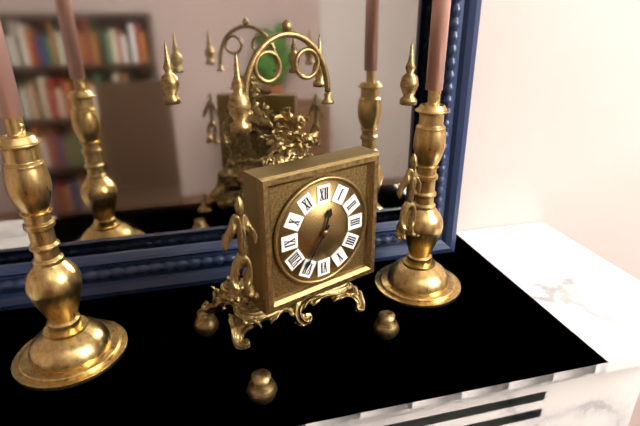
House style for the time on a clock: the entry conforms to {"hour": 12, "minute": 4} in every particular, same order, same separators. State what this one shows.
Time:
{"hour": 12, "minute": 36}
